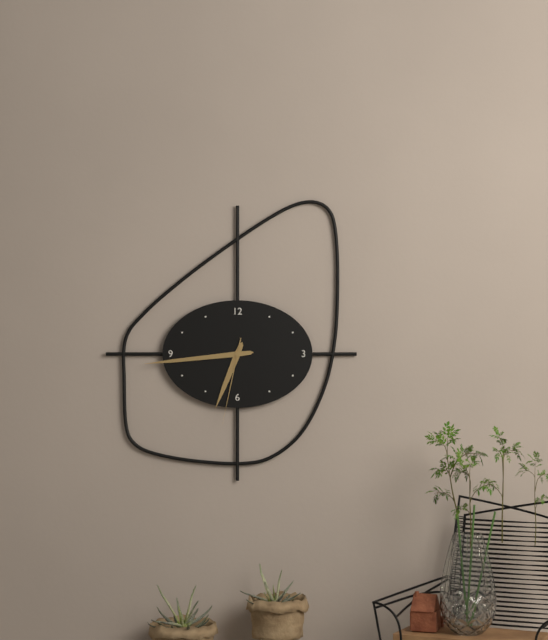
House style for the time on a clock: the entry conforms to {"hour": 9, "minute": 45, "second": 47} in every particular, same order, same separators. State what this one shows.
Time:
{"hour": 6, "minute": 44, "second": 32}
